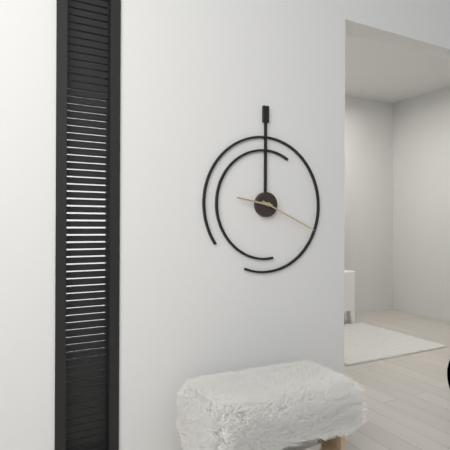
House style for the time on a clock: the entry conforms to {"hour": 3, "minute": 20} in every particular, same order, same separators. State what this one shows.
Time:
{"hour": 9, "minute": 19}
